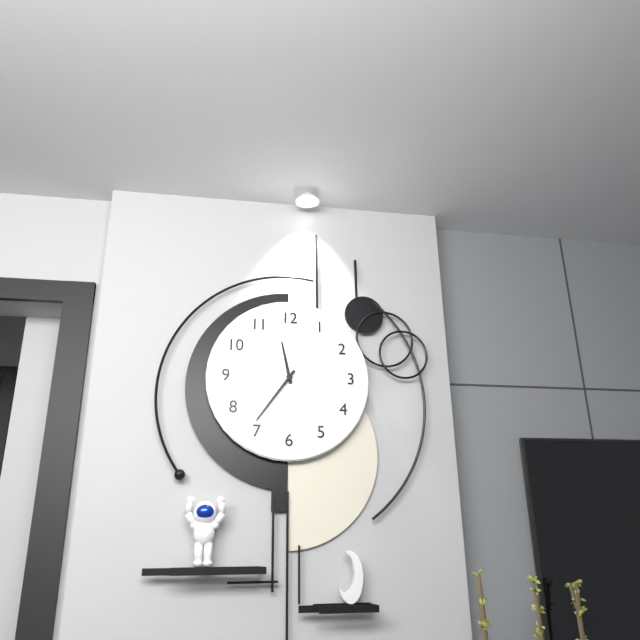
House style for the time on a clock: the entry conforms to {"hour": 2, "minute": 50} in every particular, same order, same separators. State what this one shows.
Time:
{"hour": 11, "minute": 36}
